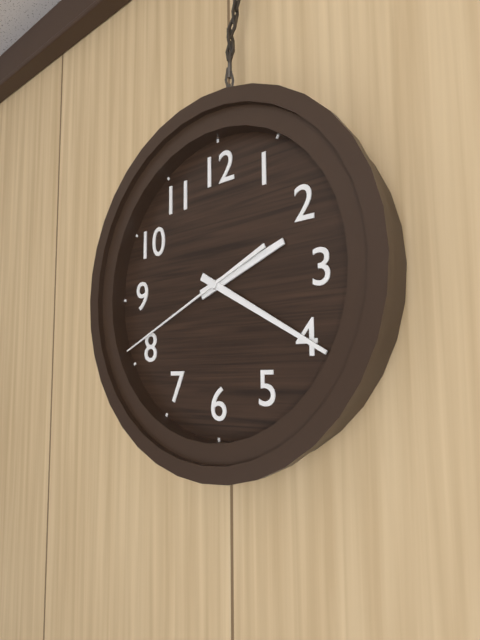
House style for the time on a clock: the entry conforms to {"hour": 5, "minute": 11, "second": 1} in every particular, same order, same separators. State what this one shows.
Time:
{"hour": 2, "minute": 20, "second": 41}
